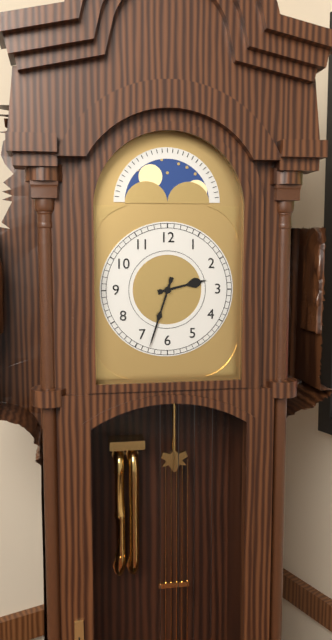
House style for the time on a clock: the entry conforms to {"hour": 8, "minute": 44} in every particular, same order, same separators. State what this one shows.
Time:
{"hour": 2, "minute": 33}
